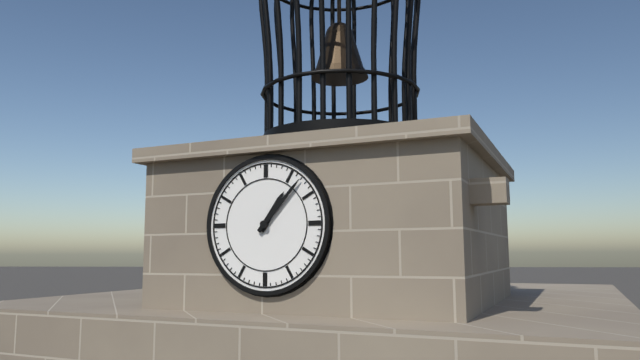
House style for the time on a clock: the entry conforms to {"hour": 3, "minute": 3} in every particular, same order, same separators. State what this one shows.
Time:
{"hour": 1, "minute": 7}
